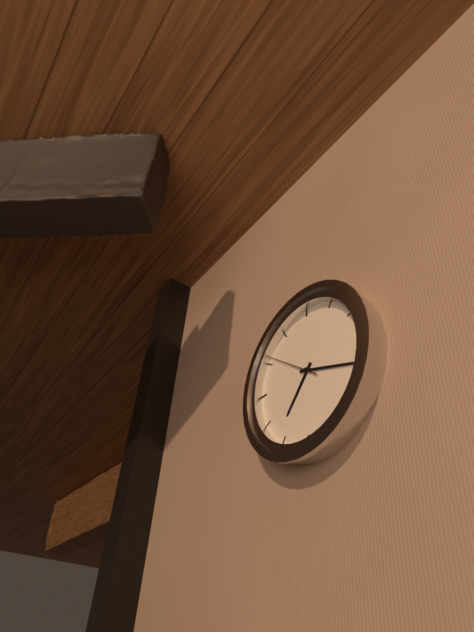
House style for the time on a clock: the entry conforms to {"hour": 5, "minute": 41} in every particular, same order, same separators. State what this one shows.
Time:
{"hour": 7, "minute": 18}
